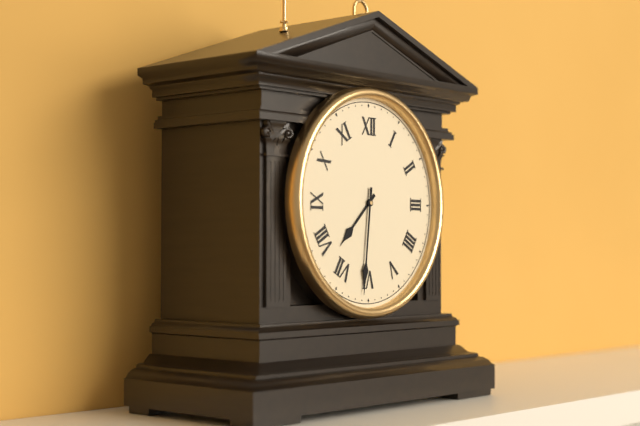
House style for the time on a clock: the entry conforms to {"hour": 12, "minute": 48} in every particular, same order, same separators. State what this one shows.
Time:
{"hour": 7, "minute": 31}
